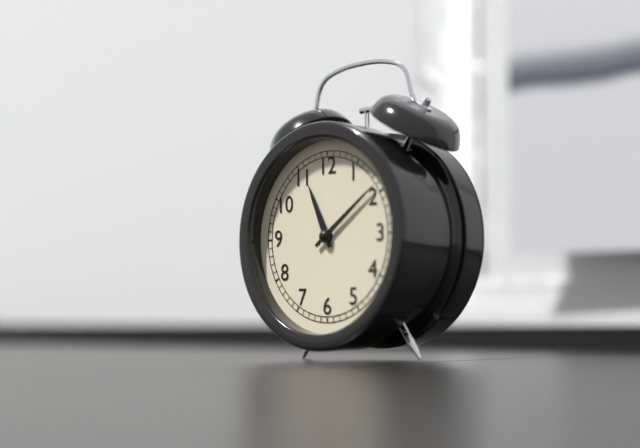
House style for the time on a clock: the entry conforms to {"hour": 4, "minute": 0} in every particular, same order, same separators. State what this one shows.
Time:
{"hour": 11, "minute": 9}
